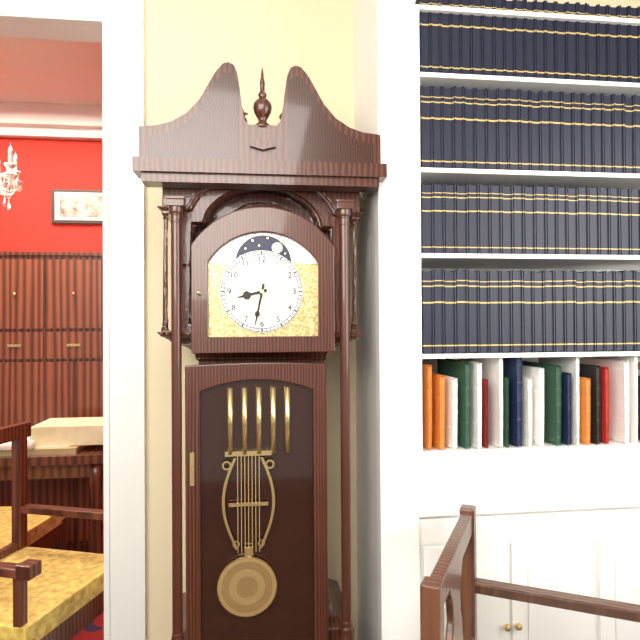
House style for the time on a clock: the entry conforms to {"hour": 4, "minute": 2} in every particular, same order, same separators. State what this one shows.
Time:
{"hour": 8, "minute": 32}
